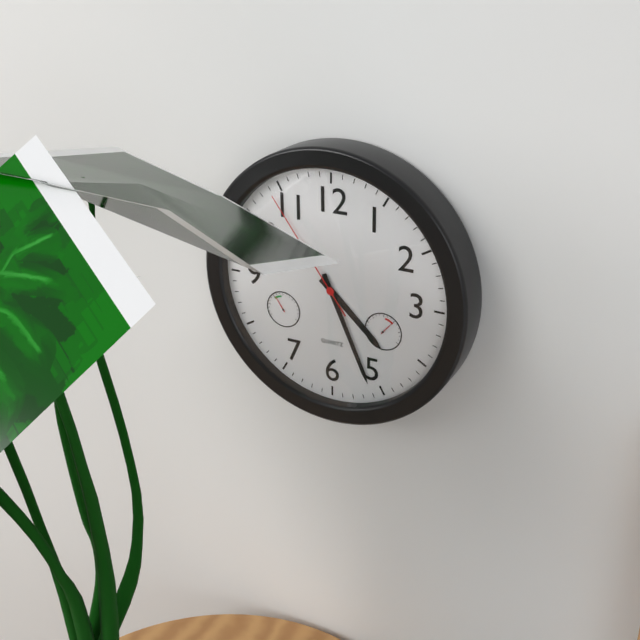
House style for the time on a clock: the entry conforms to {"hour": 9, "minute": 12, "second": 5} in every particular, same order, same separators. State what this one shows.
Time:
{"hour": 4, "minute": 26, "second": 54}
